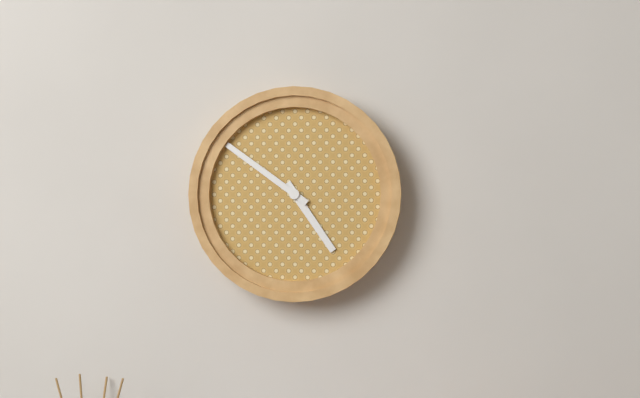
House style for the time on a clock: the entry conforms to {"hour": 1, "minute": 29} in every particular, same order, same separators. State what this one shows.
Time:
{"hour": 4, "minute": 51}
